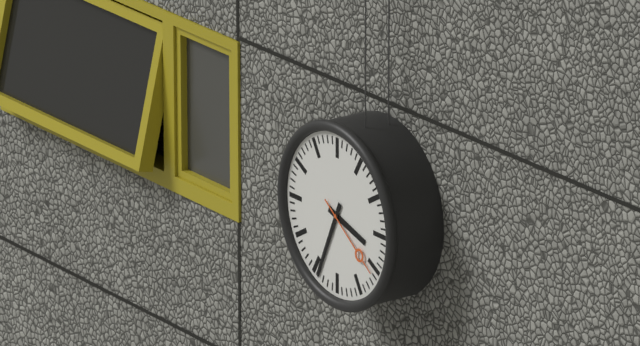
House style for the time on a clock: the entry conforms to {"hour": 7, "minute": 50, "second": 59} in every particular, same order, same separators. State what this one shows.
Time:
{"hour": 3, "minute": 34, "second": 21}
